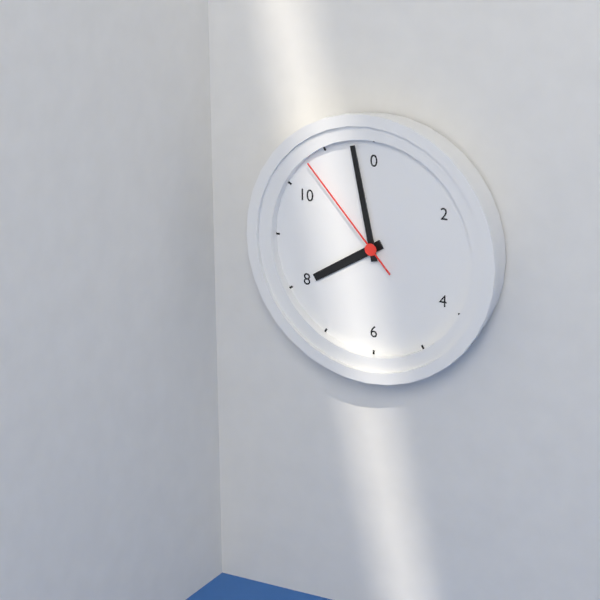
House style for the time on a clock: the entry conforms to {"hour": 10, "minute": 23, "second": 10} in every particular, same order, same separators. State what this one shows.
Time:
{"hour": 7, "minute": 58, "second": 53}
